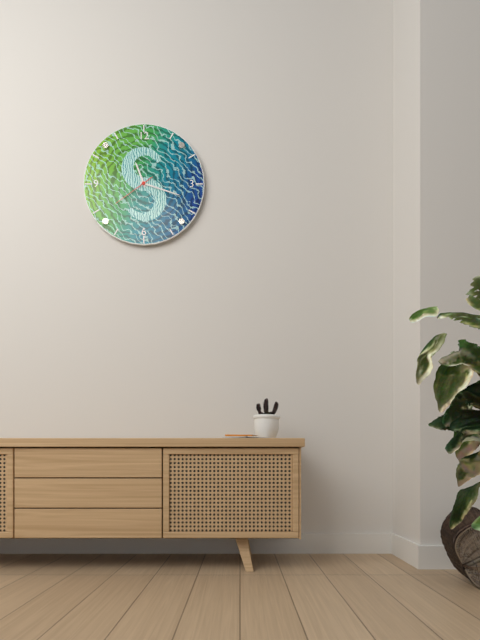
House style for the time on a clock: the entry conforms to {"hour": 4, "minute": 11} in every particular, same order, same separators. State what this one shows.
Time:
{"hour": 11, "minute": 18}
